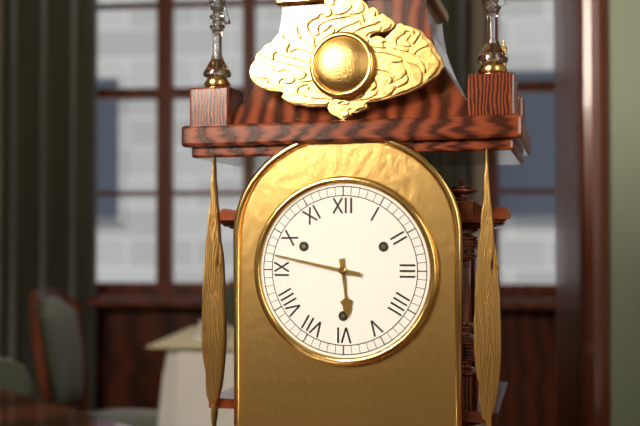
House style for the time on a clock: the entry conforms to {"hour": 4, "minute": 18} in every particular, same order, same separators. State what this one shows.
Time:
{"hour": 5, "minute": 47}
